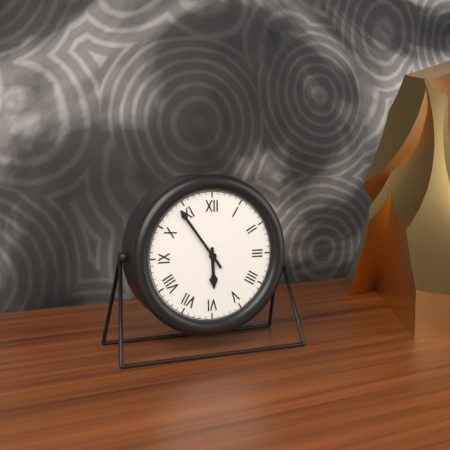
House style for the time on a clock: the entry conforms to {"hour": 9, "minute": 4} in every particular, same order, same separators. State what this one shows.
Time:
{"hour": 5, "minute": 54}
